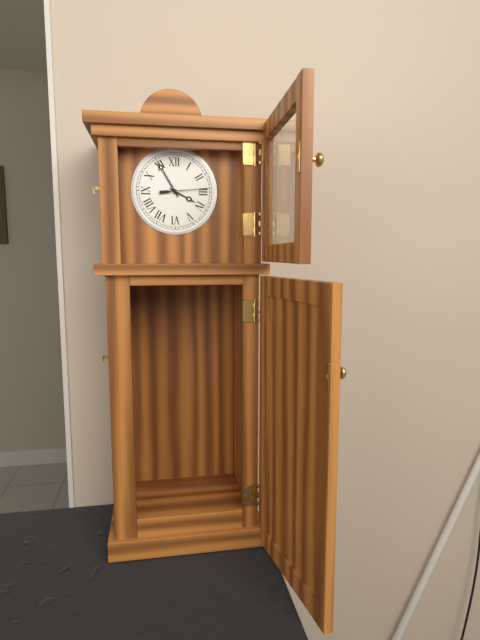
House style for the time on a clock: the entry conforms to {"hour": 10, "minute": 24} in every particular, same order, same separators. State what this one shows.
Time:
{"hour": 3, "minute": 55}
